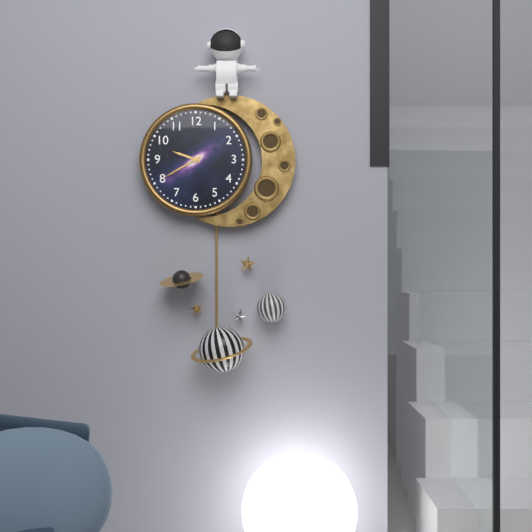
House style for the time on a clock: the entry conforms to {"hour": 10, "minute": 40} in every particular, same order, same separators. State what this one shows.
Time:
{"hour": 9, "minute": 40}
